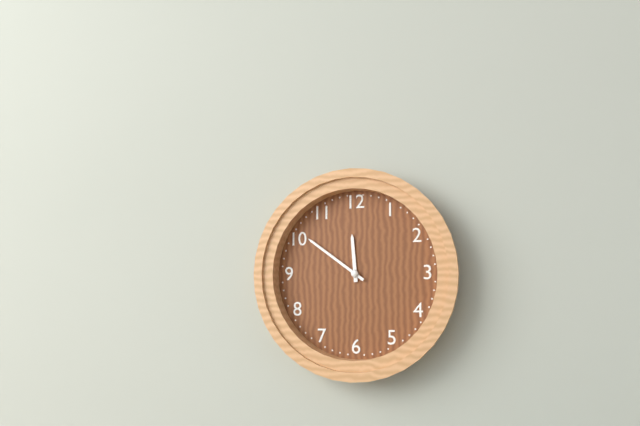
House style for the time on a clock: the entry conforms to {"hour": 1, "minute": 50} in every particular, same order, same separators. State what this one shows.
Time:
{"hour": 11, "minute": 51}
